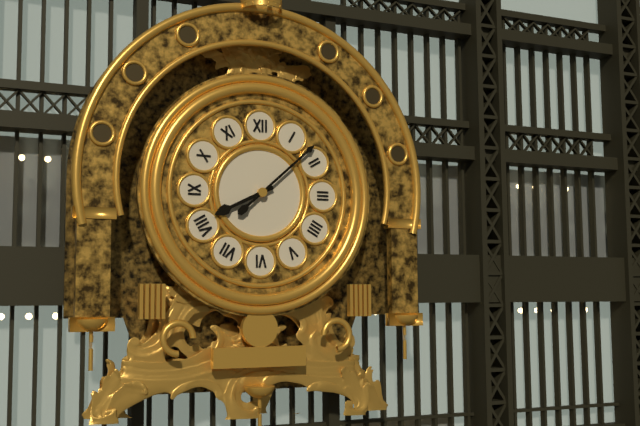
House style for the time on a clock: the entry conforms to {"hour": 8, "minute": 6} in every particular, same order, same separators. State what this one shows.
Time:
{"hour": 8, "minute": 8}
